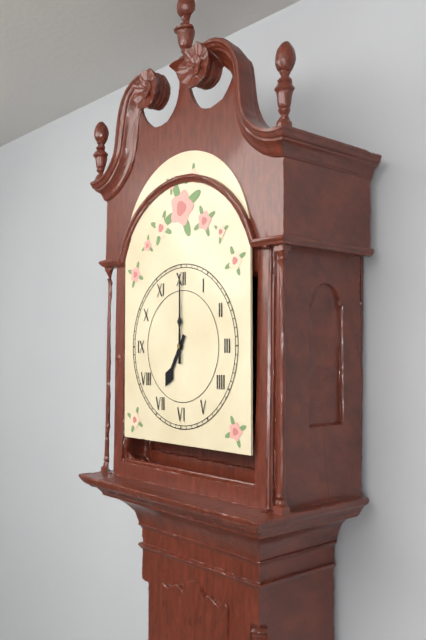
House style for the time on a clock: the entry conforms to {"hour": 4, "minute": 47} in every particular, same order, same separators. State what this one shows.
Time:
{"hour": 7, "minute": 0}
